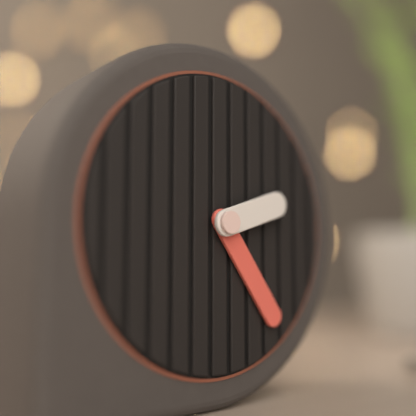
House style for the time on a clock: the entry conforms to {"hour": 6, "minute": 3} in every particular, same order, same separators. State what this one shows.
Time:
{"hour": 2, "minute": 24}
